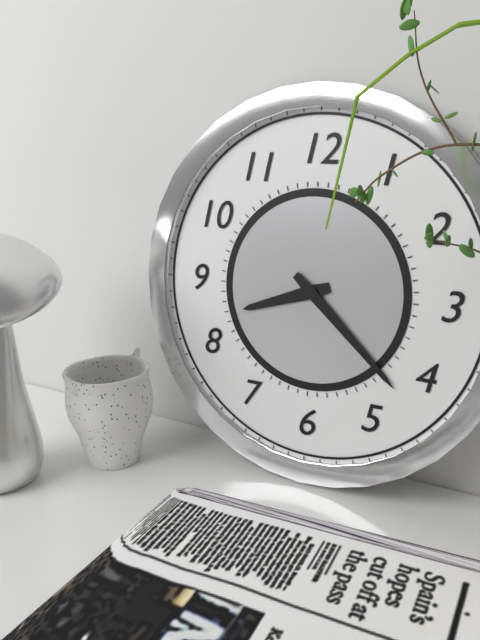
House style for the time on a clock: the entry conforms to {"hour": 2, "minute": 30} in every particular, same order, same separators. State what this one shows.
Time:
{"hour": 8, "minute": 22}
